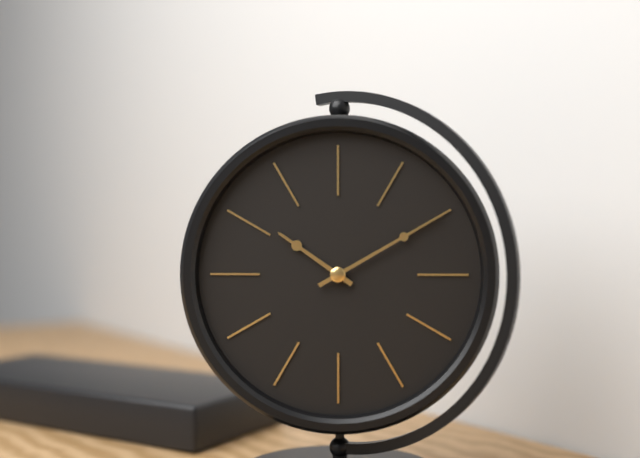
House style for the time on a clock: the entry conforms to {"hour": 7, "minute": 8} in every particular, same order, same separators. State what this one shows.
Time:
{"hour": 10, "minute": 10}
